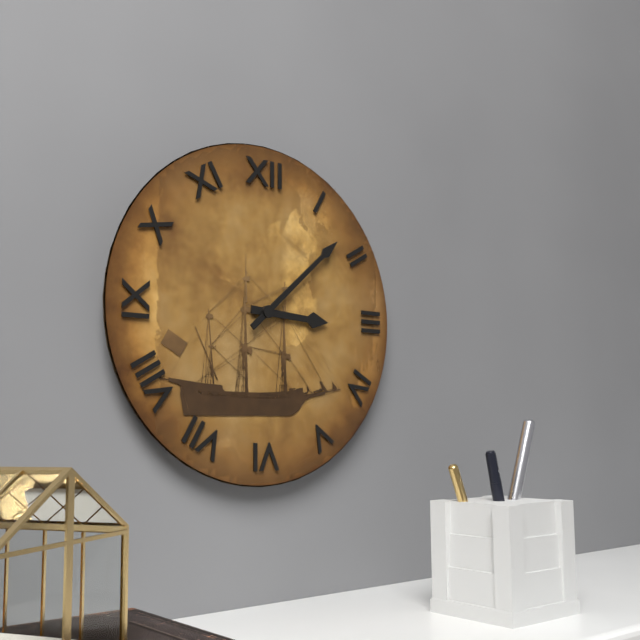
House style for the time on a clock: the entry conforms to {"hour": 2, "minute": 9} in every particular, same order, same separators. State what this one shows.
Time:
{"hour": 3, "minute": 8}
